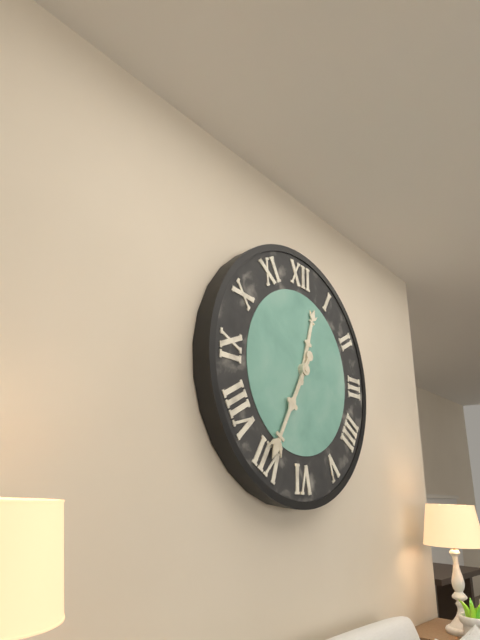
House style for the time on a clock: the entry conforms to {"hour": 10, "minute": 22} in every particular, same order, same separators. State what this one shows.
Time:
{"hour": 12, "minute": 35}
